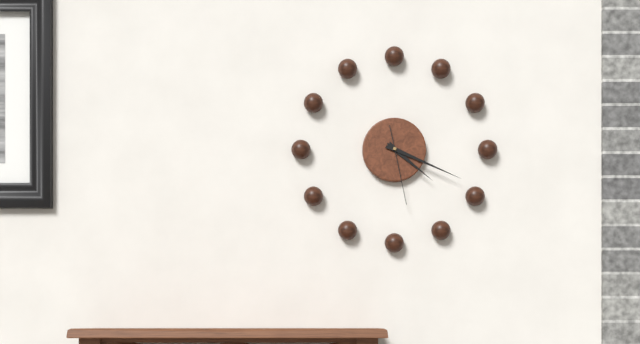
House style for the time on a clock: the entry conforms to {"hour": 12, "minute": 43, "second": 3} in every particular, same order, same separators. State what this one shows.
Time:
{"hour": 4, "minute": 19, "second": 28}
